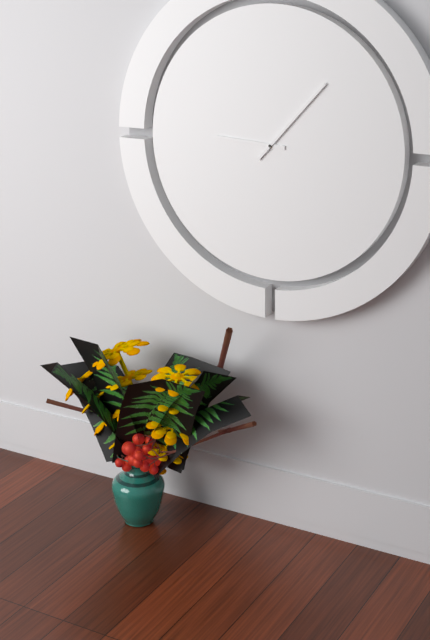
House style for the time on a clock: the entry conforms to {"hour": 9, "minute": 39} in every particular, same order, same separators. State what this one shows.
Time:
{"hour": 9, "minute": 7}
